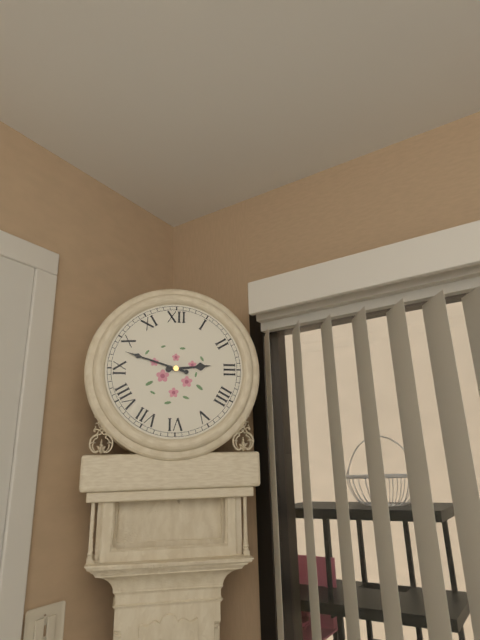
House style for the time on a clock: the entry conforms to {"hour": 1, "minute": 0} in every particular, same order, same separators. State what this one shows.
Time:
{"hour": 2, "minute": 48}
